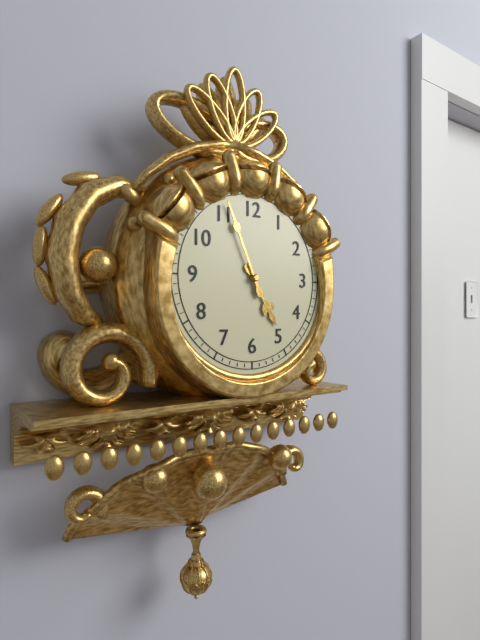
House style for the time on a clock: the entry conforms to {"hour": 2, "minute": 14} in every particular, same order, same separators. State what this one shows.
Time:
{"hour": 4, "minute": 56}
